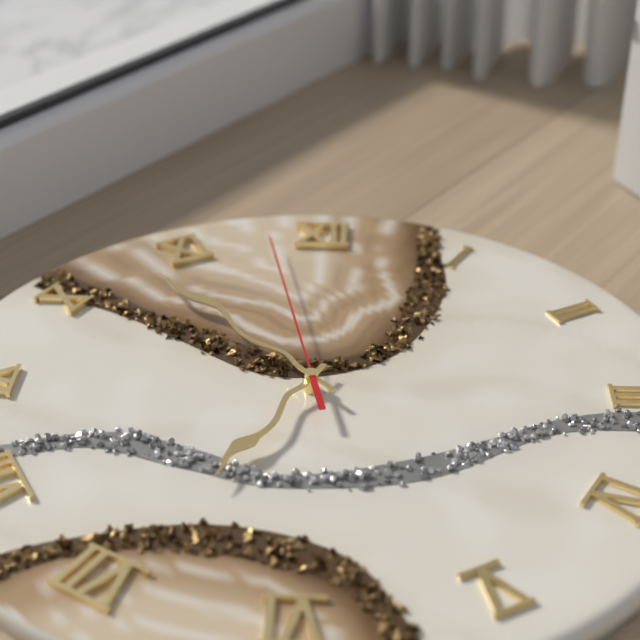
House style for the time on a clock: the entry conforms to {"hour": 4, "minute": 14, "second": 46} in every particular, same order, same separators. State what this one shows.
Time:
{"hour": 6, "minute": 53, "second": 58}
